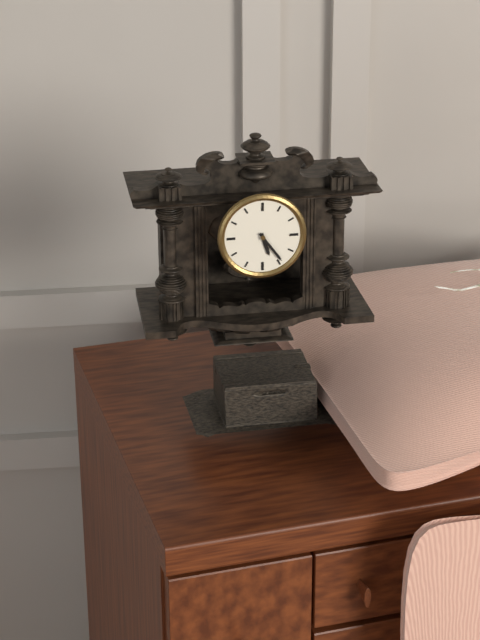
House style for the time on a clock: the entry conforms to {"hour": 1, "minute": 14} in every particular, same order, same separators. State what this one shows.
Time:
{"hour": 5, "minute": 24}
